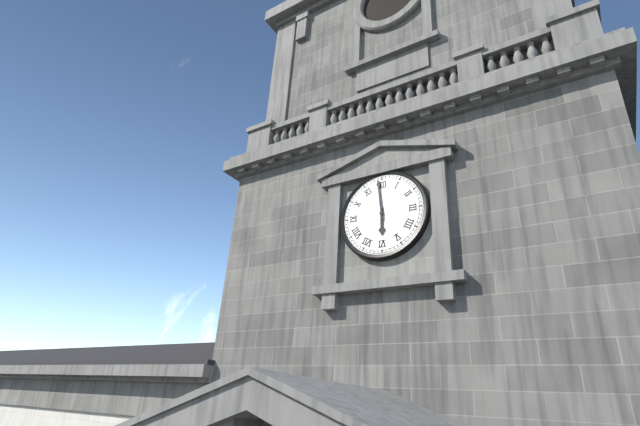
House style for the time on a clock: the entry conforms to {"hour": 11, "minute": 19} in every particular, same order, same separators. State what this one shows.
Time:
{"hour": 5, "minute": 59}
